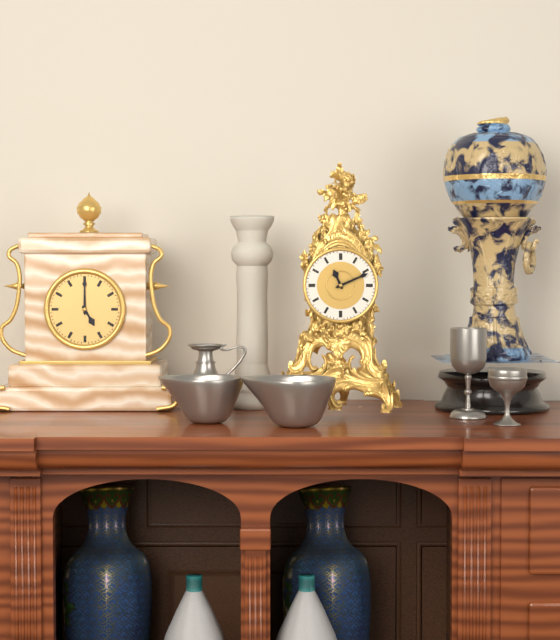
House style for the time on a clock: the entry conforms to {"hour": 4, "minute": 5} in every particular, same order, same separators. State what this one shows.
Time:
{"hour": 11, "minute": 11}
